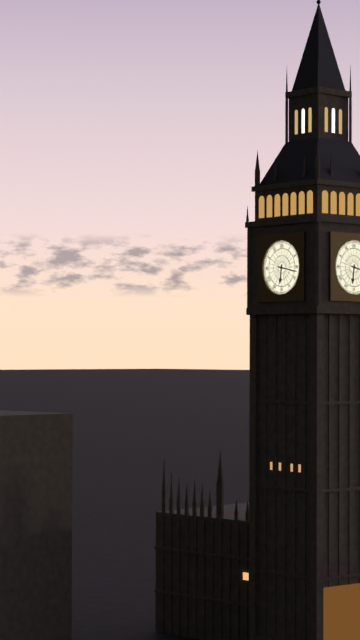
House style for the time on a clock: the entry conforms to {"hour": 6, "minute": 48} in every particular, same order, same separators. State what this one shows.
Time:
{"hour": 6, "minute": 17}
